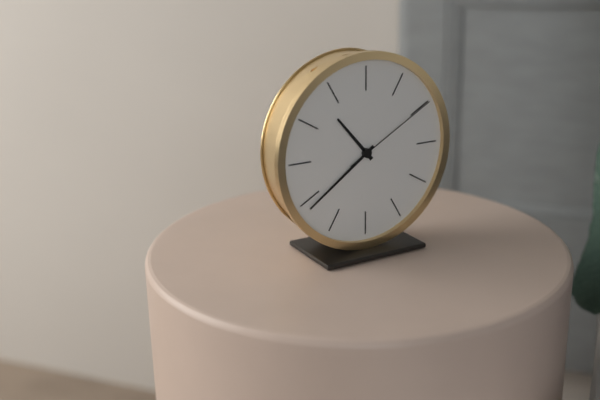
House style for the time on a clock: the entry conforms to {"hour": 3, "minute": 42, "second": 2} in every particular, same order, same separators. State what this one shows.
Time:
{"hour": 10, "minute": 39, "second": 10}
